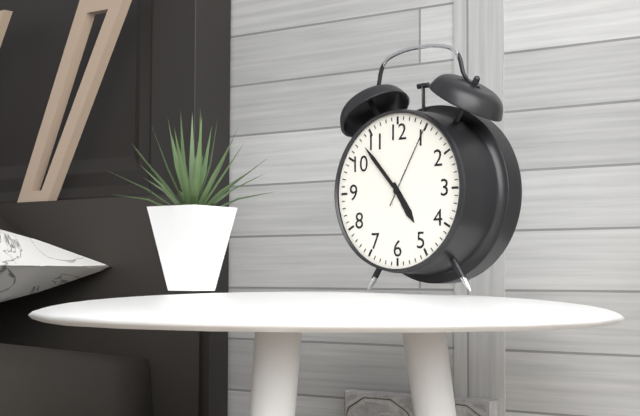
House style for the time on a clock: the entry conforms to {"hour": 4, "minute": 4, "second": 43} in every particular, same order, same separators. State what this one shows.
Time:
{"hour": 4, "minute": 53, "second": 5}
